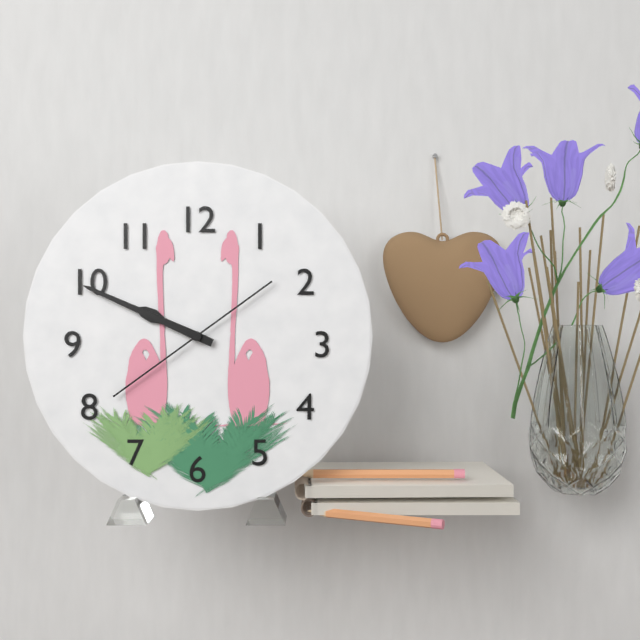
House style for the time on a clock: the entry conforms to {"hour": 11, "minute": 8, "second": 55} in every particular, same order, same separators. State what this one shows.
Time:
{"hour": 9, "minute": 49, "second": 39}
